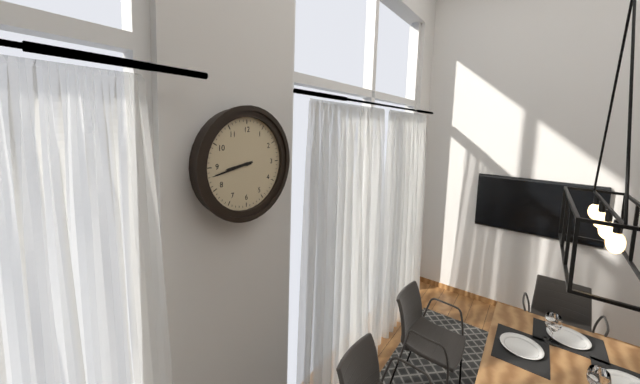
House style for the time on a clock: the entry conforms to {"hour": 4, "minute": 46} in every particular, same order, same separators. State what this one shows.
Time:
{"hour": 8, "minute": 43}
